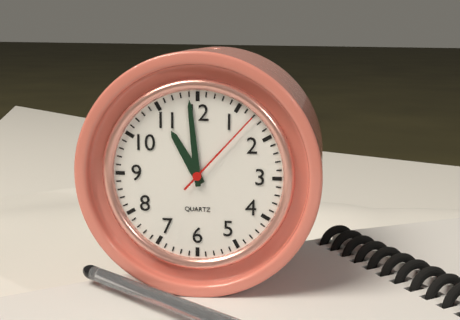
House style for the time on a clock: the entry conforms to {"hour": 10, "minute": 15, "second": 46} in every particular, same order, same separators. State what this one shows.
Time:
{"hour": 10, "minute": 59, "second": 7}
